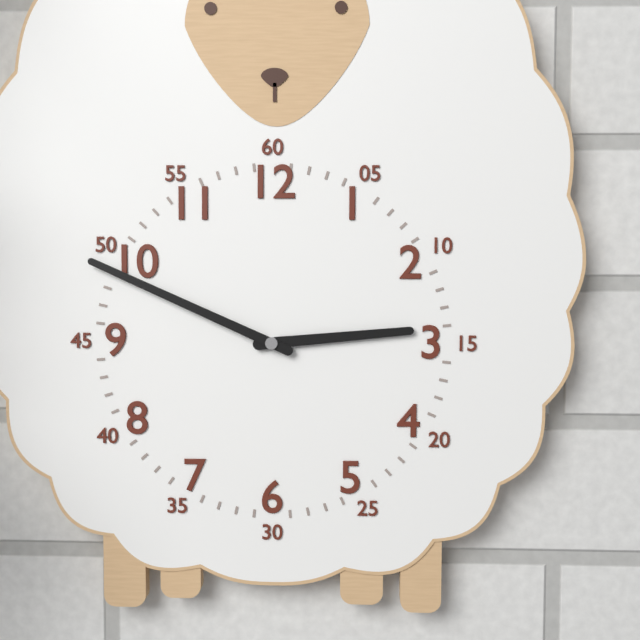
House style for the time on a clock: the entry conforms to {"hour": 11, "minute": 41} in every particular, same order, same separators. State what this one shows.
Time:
{"hour": 2, "minute": 49}
